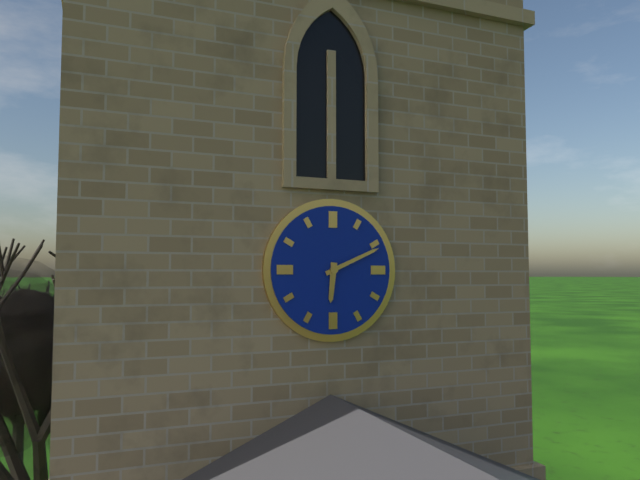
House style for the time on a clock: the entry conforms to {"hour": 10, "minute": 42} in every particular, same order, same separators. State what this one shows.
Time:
{"hour": 6, "minute": 11}
